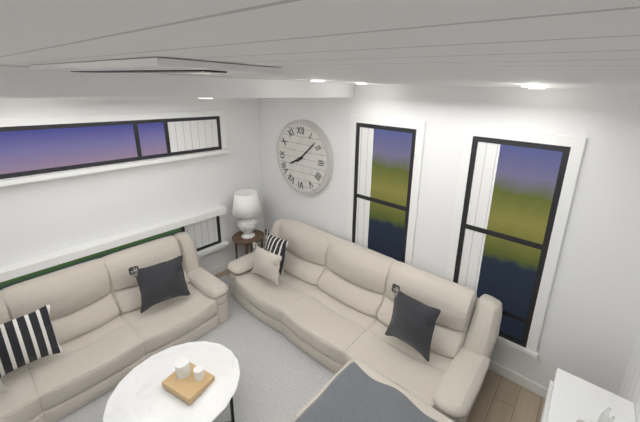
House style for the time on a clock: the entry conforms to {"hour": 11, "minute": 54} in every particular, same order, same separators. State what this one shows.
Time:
{"hour": 8, "minute": 8}
